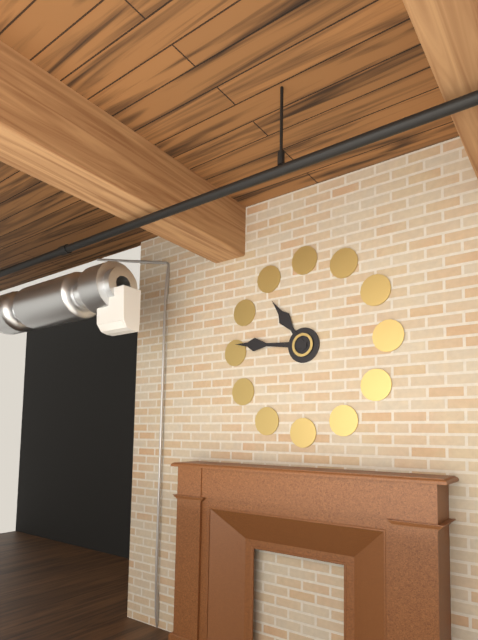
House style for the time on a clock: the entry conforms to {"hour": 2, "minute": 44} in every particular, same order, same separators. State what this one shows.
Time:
{"hour": 10, "minute": 46}
